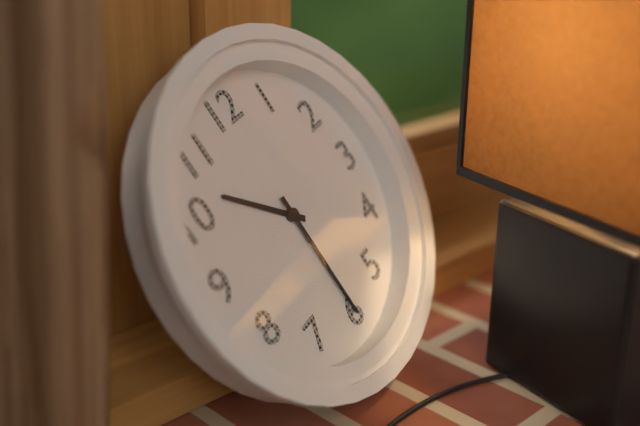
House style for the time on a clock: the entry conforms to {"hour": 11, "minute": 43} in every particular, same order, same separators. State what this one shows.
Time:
{"hour": 10, "minute": 30}
